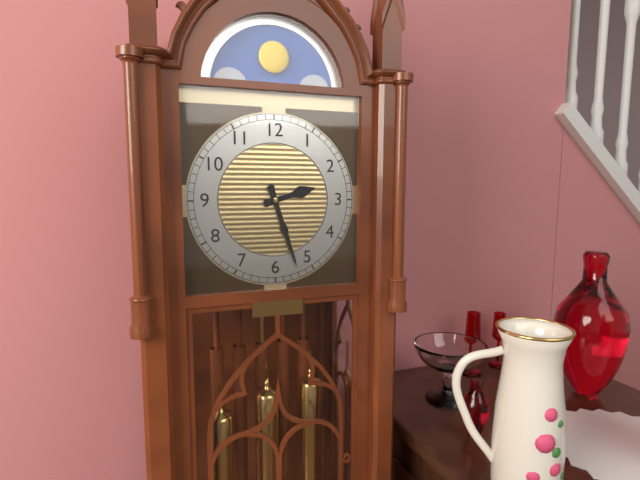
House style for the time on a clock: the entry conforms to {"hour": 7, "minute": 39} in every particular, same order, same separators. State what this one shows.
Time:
{"hour": 2, "minute": 27}
